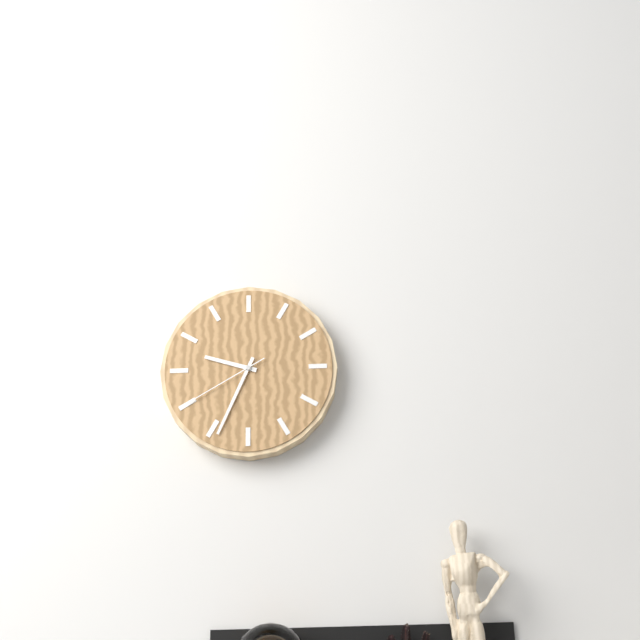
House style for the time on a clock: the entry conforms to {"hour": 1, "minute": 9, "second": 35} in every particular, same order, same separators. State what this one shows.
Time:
{"hour": 9, "minute": 34, "second": 40}
